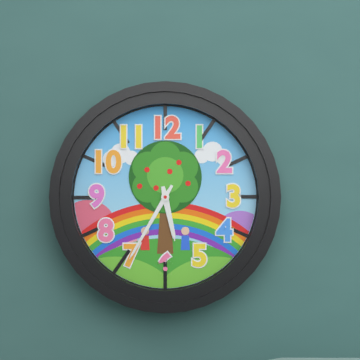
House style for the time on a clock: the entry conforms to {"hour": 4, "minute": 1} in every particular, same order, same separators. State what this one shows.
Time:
{"hour": 5, "minute": 35}
